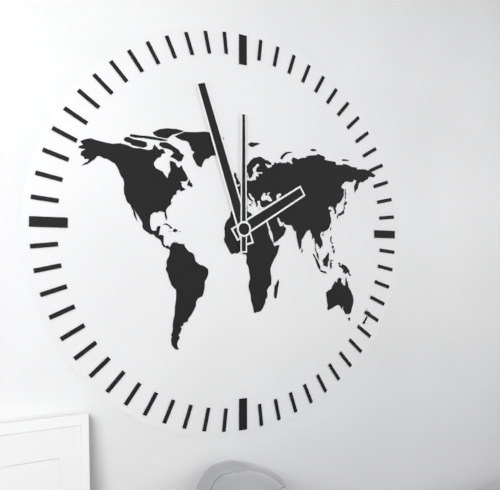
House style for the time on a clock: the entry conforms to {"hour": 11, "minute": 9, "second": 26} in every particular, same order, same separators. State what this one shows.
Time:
{"hour": 1, "minute": 57, "second": 0}
